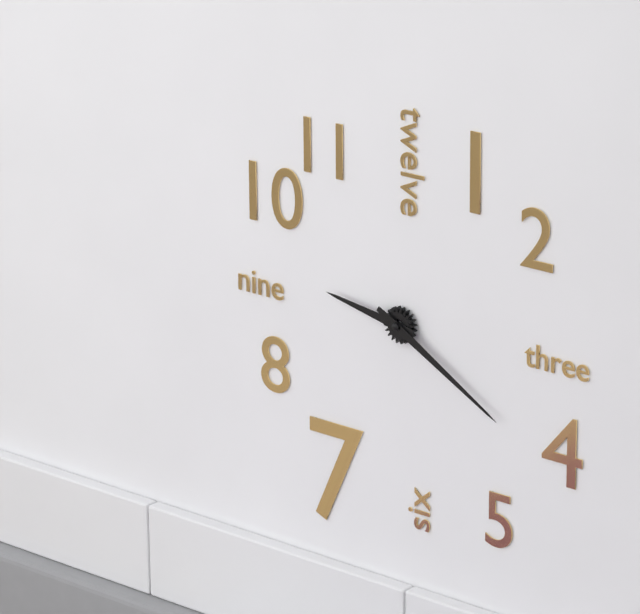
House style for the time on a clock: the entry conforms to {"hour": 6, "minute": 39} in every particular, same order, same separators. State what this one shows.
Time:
{"hour": 9, "minute": 20}
